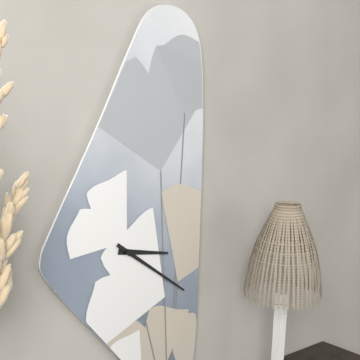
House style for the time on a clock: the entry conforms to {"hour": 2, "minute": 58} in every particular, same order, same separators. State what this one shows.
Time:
{"hour": 3, "minute": 21}
